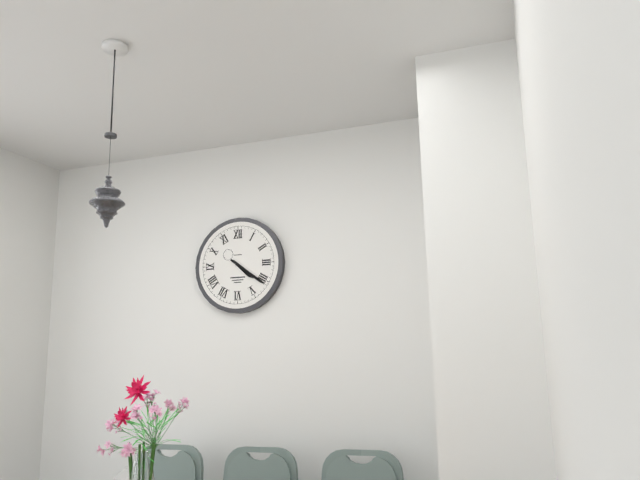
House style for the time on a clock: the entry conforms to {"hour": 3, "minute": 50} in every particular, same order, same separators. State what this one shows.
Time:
{"hour": 4, "minute": 21}
